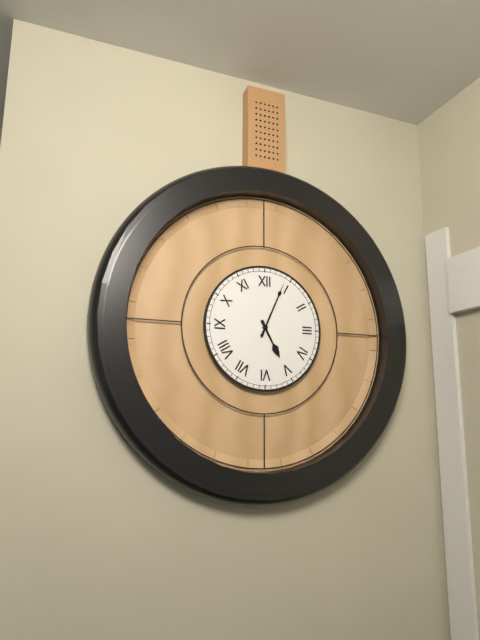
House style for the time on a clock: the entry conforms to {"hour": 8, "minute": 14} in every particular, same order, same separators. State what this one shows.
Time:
{"hour": 5, "minute": 4}
